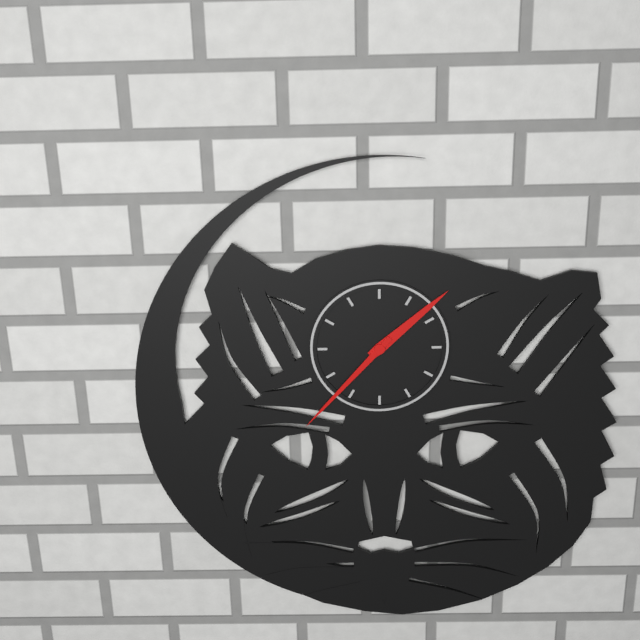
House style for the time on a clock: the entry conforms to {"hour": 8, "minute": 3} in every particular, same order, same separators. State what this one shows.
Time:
{"hour": 1, "minute": 37}
